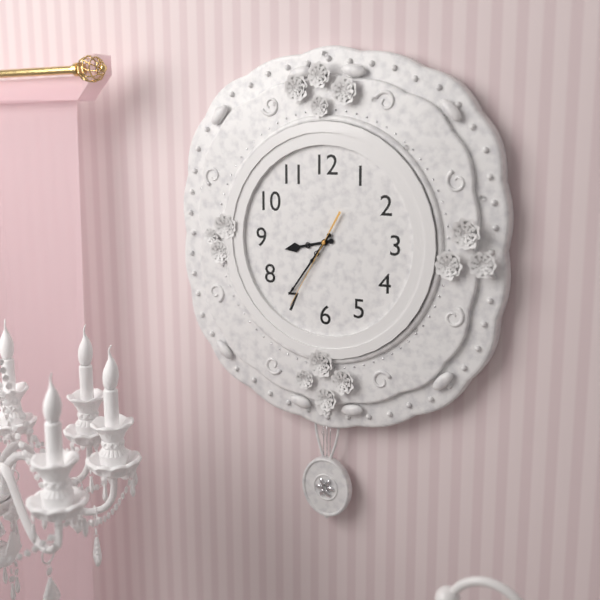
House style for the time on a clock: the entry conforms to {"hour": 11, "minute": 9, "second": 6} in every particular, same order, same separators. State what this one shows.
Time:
{"hour": 8, "minute": 36, "second": 35}
